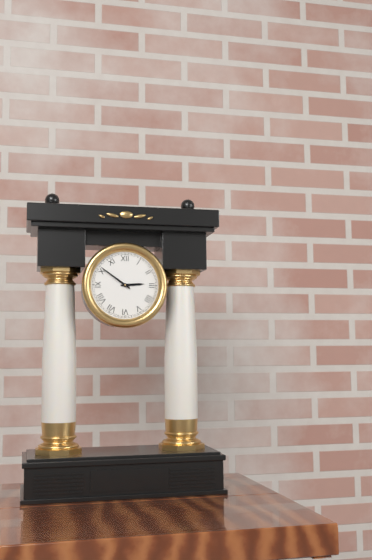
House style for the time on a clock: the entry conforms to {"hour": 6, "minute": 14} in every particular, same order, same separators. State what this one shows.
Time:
{"hour": 2, "minute": 51}
